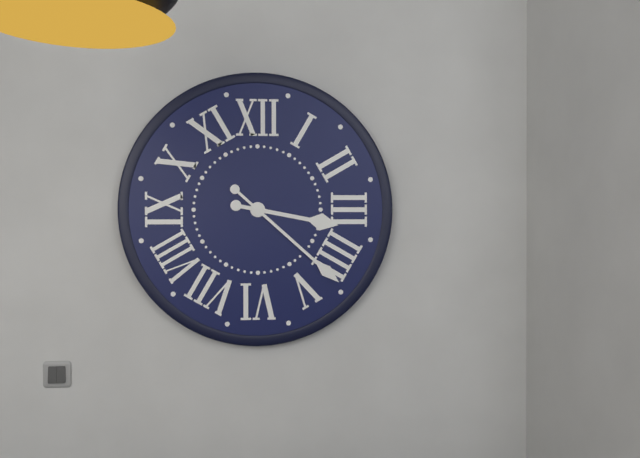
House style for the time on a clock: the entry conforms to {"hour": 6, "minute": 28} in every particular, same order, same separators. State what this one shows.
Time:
{"hour": 3, "minute": 22}
